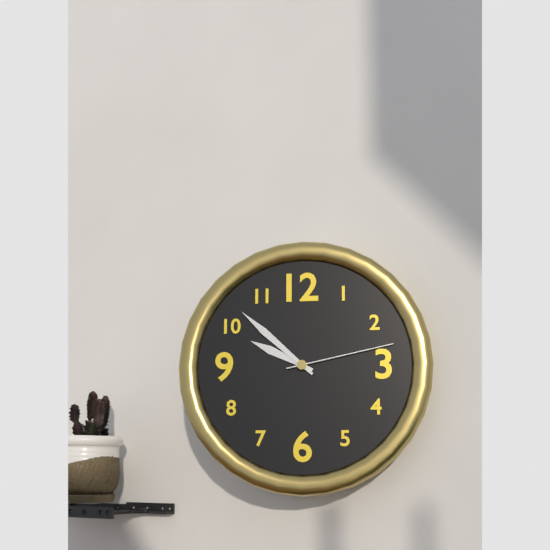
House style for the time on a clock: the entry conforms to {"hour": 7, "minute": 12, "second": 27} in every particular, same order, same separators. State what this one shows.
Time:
{"hour": 9, "minute": 52, "second": 13}
